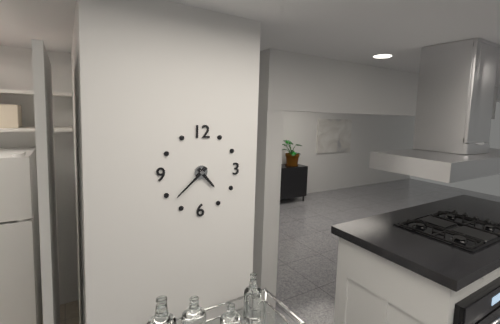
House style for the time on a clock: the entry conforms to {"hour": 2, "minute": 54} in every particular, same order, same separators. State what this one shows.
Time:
{"hour": 4, "minute": 38}
